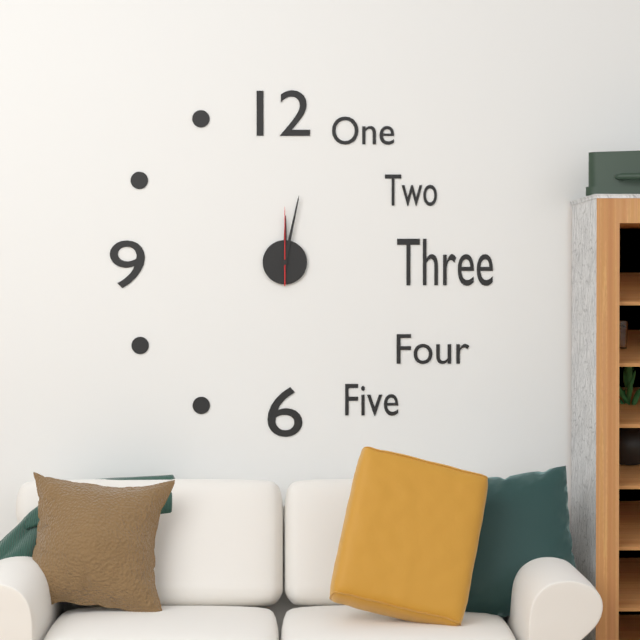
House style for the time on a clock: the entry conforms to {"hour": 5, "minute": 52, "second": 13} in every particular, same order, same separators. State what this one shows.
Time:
{"hour": 12, "minute": 2, "second": 0}
